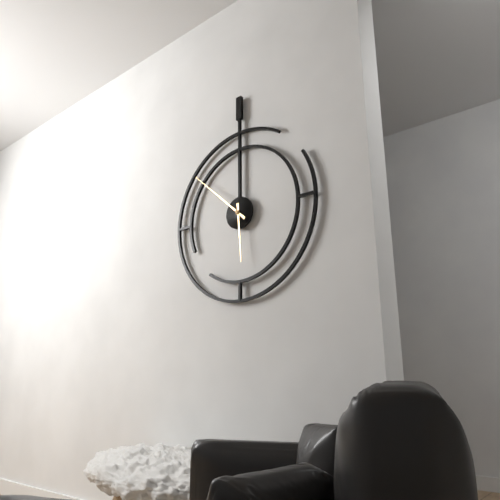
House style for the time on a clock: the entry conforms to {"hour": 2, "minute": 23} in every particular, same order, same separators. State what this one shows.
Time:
{"hour": 5, "minute": 52}
